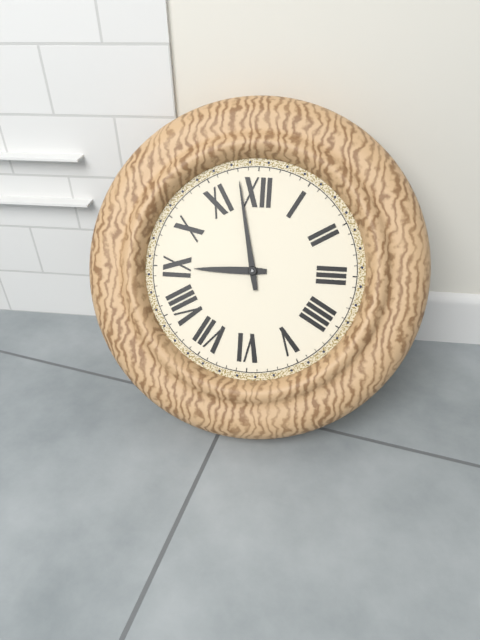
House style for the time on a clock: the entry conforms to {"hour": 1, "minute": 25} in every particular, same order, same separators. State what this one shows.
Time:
{"hour": 8, "minute": 58}
